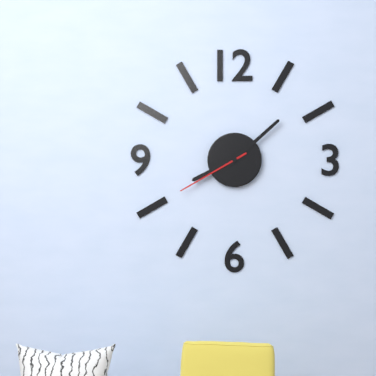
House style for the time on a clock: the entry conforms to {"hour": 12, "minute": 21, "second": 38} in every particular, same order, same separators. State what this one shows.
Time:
{"hour": 8, "minute": 8, "second": 40}
